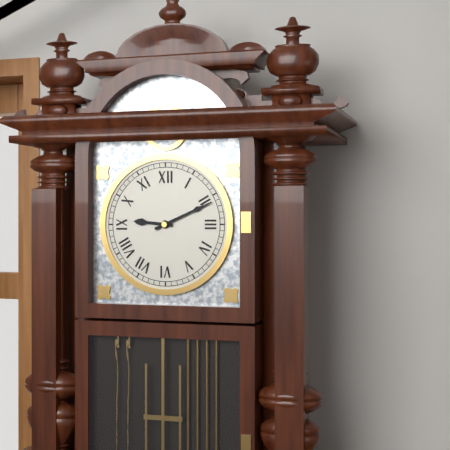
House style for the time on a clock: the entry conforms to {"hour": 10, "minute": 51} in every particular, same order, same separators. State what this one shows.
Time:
{"hour": 9, "minute": 11}
